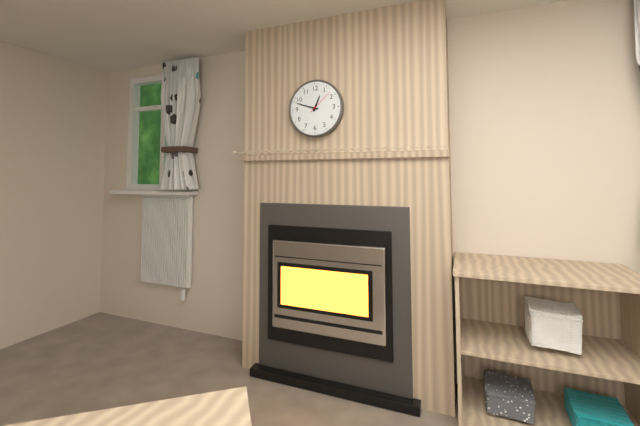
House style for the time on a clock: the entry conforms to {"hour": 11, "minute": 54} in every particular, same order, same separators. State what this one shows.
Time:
{"hour": 12, "minute": 48}
